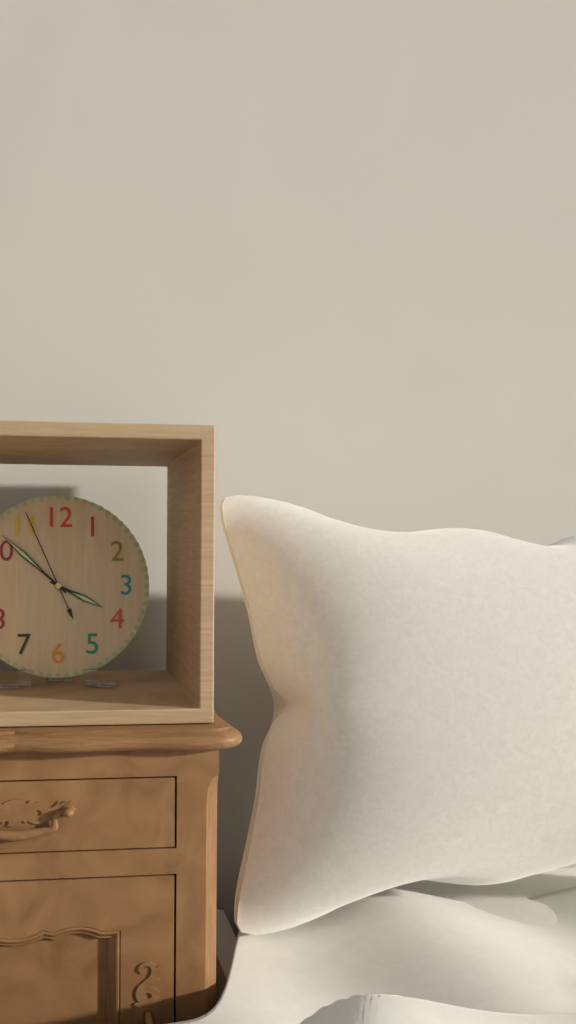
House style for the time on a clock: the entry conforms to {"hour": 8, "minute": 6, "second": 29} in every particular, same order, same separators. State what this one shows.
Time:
{"hour": 3, "minute": 52, "second": 56}
